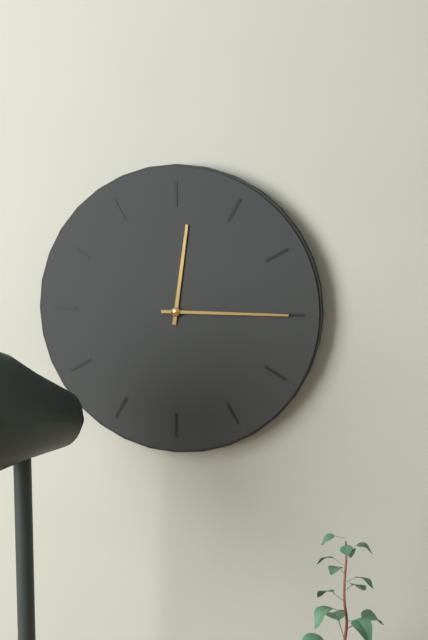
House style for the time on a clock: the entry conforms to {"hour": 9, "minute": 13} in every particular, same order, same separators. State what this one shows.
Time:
{"hour": 12, "minute": 15}
